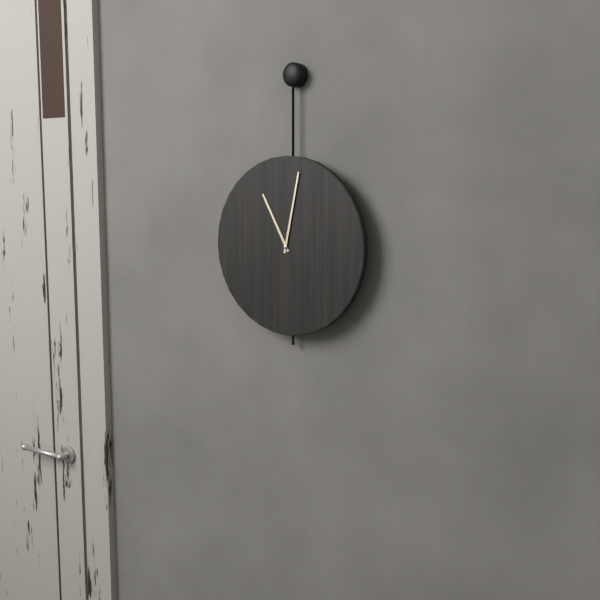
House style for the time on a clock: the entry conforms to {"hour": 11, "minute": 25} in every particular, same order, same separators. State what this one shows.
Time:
{"hour": 11, "minute": 2}
